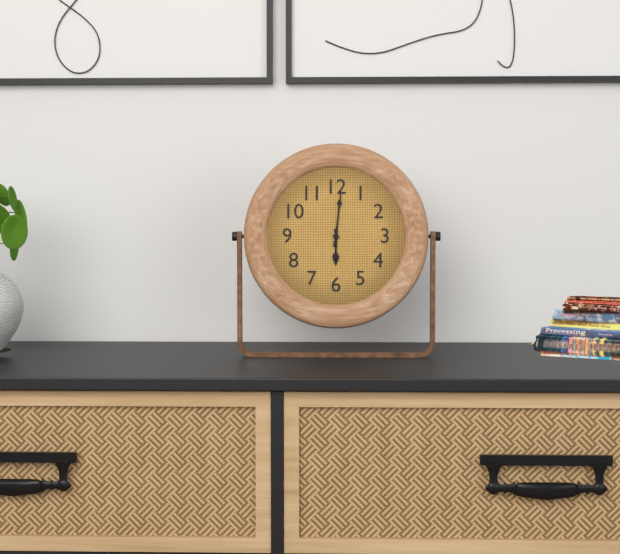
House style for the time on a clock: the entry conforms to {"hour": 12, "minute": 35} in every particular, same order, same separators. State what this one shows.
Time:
{"hour": 6, "minute": 1}
